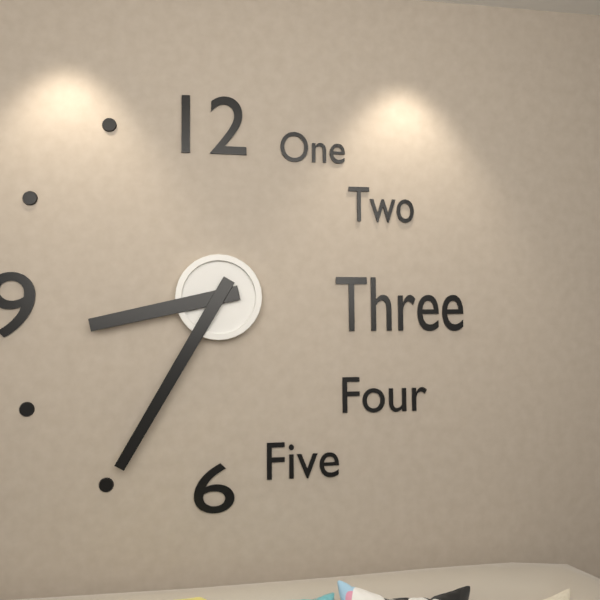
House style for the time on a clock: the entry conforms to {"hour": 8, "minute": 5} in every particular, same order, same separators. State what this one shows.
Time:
{"hour": 8, "minute": 35}
